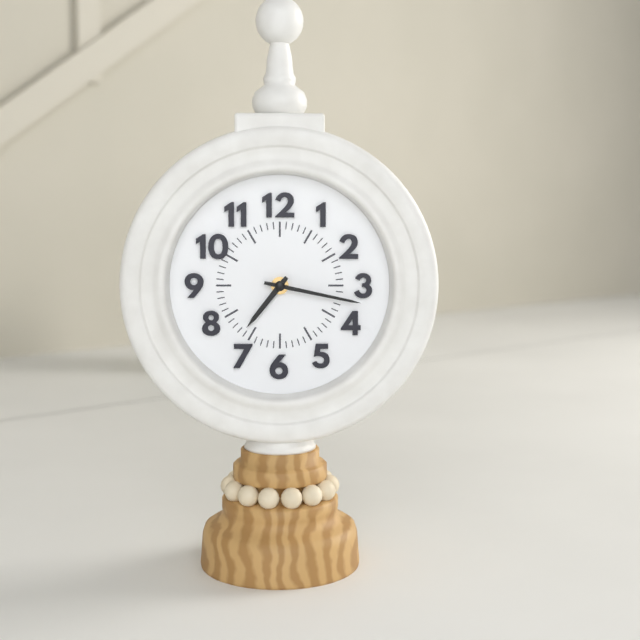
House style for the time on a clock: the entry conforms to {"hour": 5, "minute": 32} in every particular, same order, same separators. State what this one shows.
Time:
{"hour": 7, "minute": 17}
